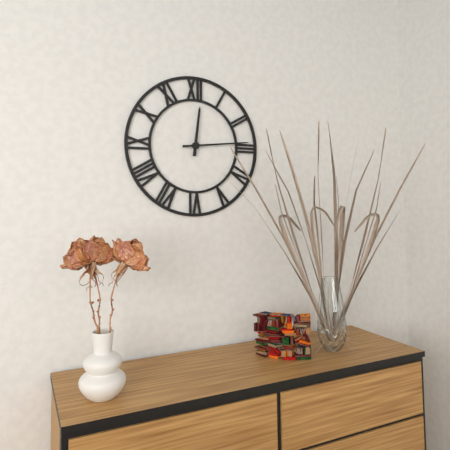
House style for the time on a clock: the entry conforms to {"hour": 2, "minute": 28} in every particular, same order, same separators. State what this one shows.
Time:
{"hour": 12, "minute": 14}
